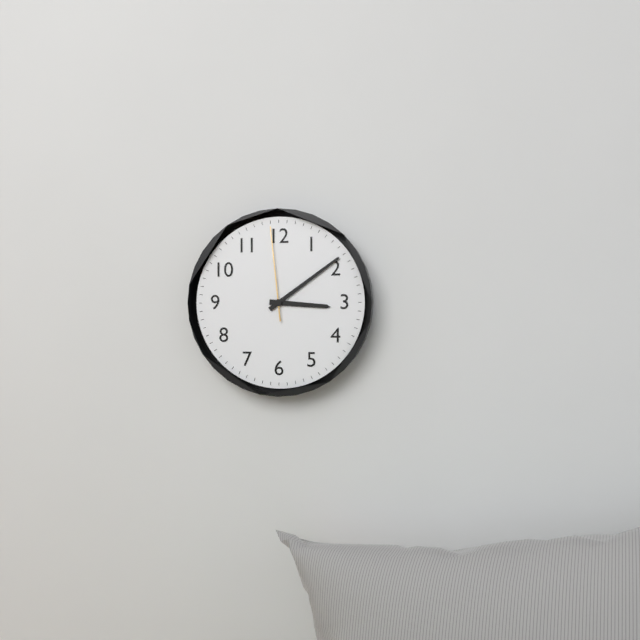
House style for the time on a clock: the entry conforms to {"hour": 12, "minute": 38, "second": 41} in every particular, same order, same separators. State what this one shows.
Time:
{"hour": 3, "minute": 9, "second": 59}
